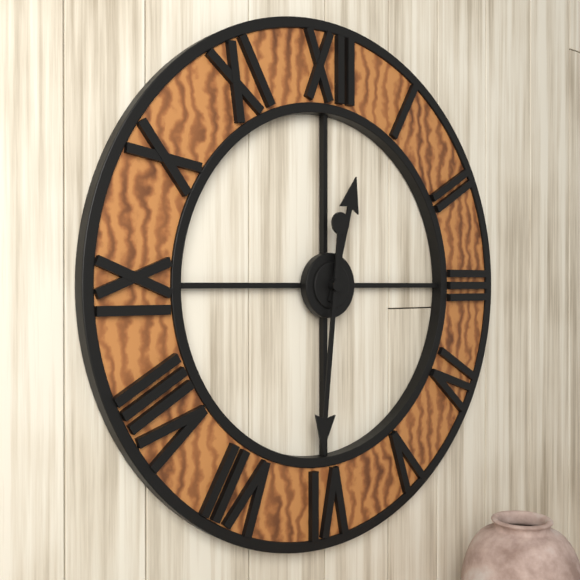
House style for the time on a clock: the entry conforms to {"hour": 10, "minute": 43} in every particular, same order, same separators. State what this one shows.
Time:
{"hour": 12, "minute": 31}
